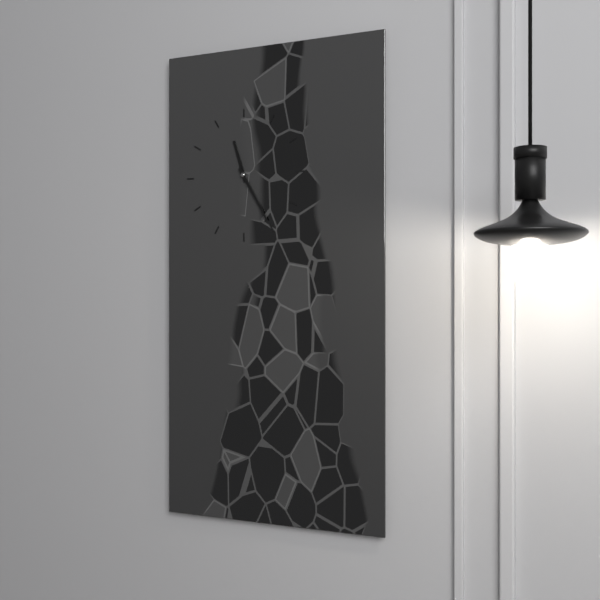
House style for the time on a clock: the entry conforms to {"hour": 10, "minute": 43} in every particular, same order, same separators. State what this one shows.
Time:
{"hour": 11, "minute": 25}
